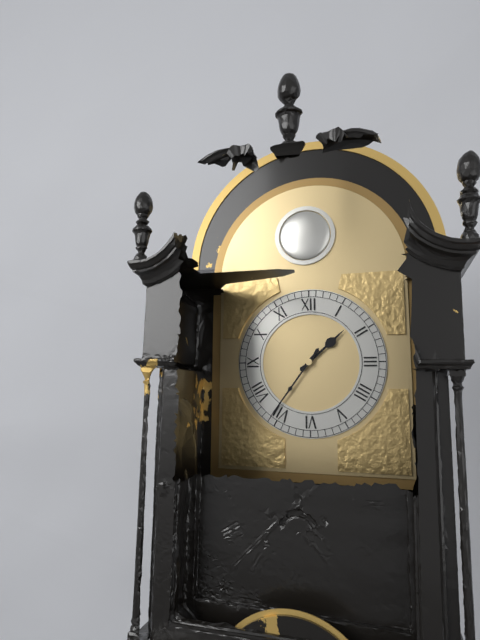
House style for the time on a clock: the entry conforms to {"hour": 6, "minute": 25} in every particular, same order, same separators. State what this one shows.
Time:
{"hour": 1, "minute": 36}
